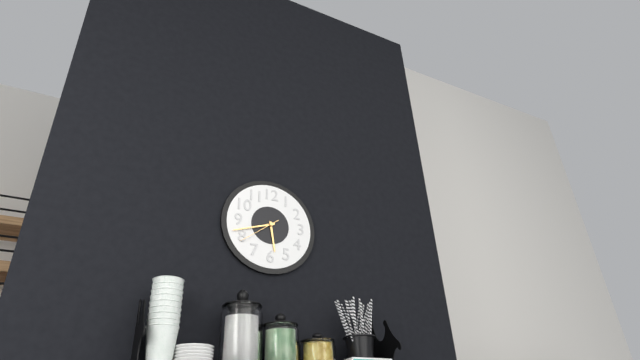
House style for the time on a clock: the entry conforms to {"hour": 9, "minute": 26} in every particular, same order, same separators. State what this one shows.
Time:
{"hour": 5, "minute": 42}
